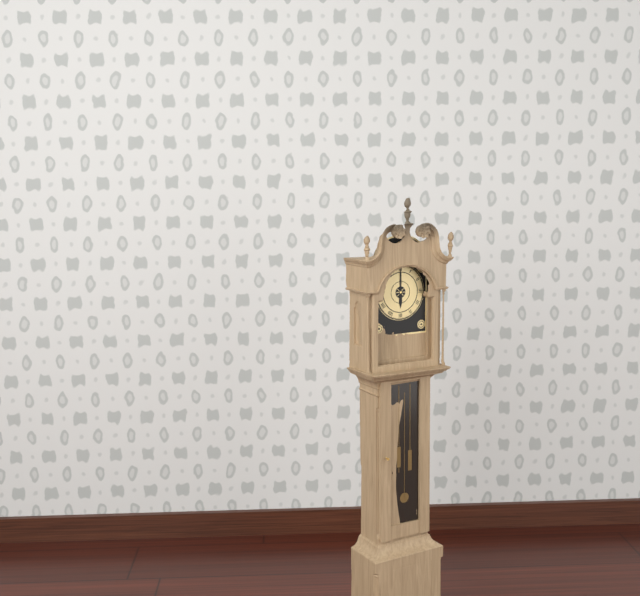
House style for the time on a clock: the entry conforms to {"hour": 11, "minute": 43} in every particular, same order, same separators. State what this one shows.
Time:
{"hour": 6, "minute": 0}
